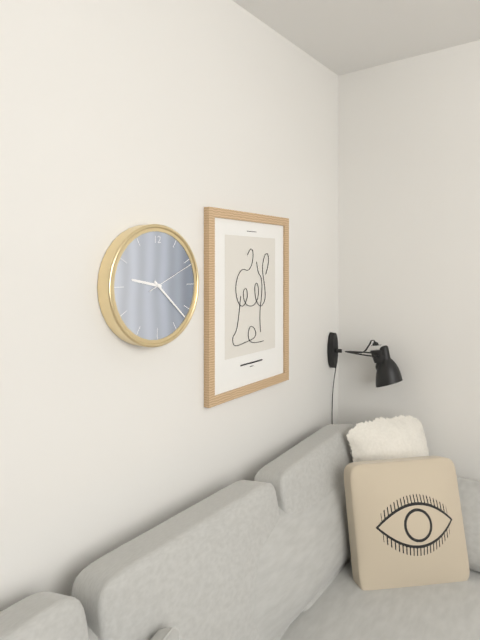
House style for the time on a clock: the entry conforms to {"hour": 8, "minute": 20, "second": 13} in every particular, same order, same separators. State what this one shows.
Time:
{"hour": 9, "minute": 22, "second": 11}
